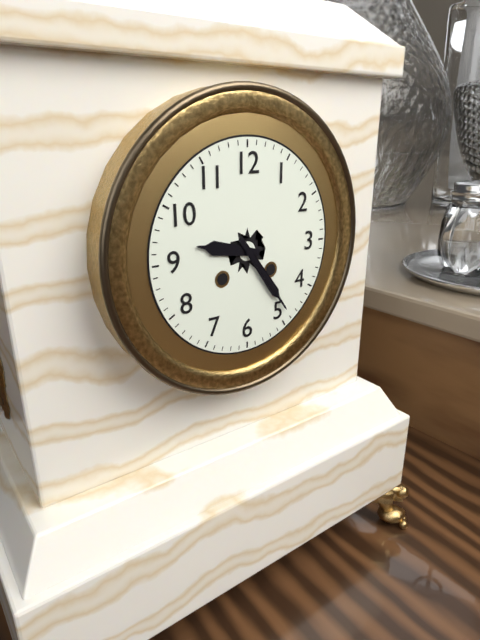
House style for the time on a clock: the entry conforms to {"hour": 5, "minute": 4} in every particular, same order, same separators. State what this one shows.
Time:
{"hour": 9, "minute": 24}
